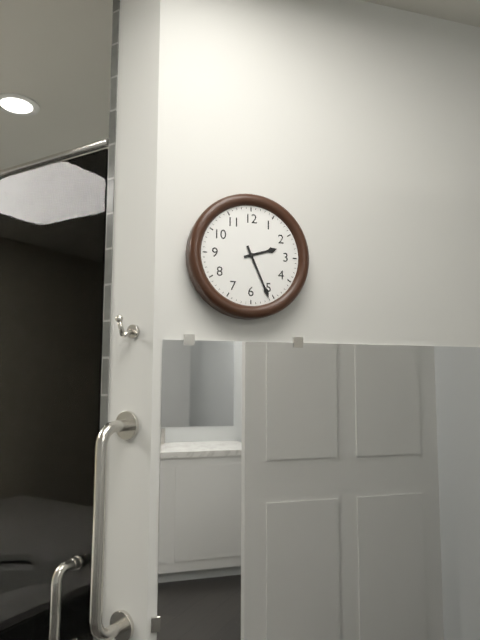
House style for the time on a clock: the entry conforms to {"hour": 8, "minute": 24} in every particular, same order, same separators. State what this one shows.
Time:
{"hour": 2, "minute": 26}
